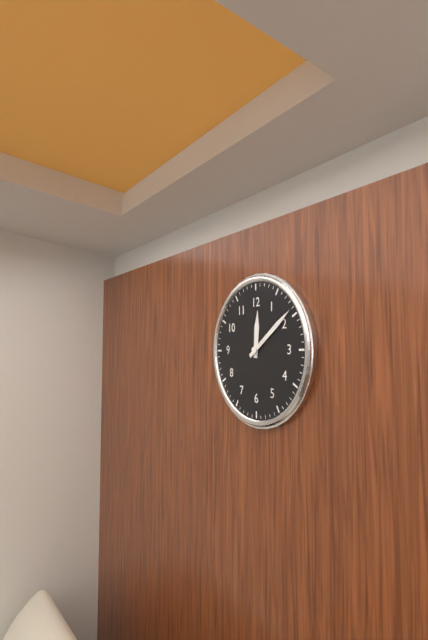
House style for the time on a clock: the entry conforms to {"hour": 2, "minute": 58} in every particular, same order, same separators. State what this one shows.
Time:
{"hour": 12, "minute": 9}
